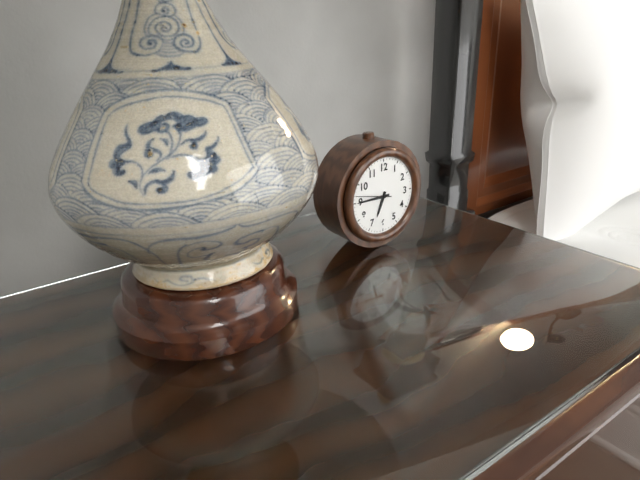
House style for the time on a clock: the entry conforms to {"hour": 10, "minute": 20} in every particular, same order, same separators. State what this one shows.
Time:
{"hour": 6, "minute": 45}
